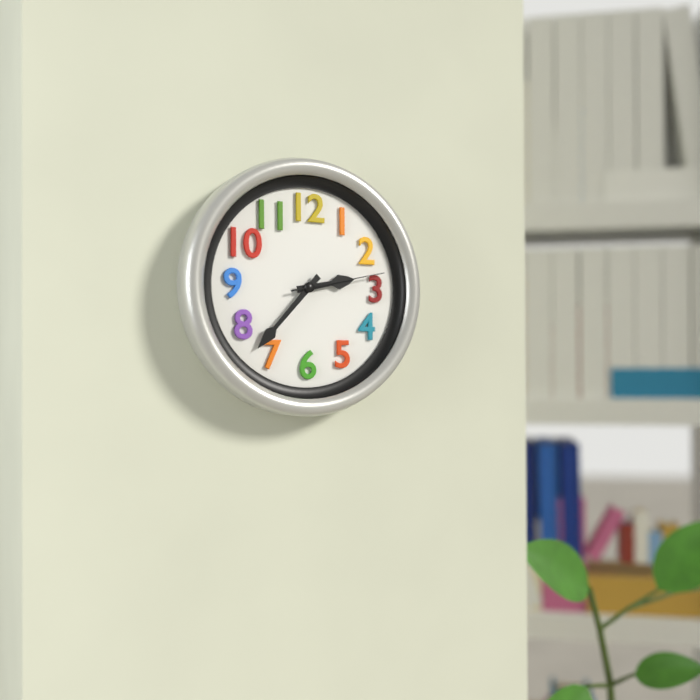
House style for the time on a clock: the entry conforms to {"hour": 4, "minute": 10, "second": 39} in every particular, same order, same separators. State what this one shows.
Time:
{"hour": 2, "minute": 37, "second": 13}
